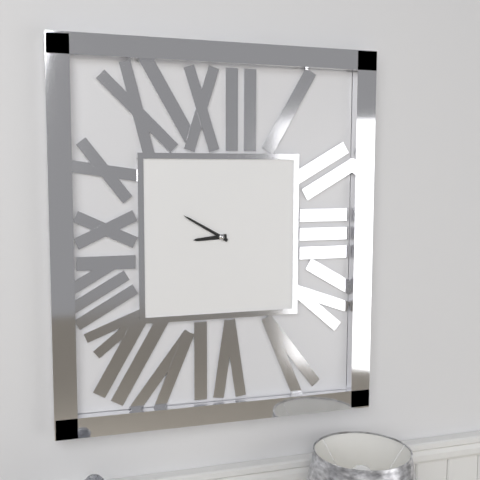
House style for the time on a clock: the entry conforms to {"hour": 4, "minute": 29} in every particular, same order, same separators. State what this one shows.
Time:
{"hour": 8, "minute": 50}
